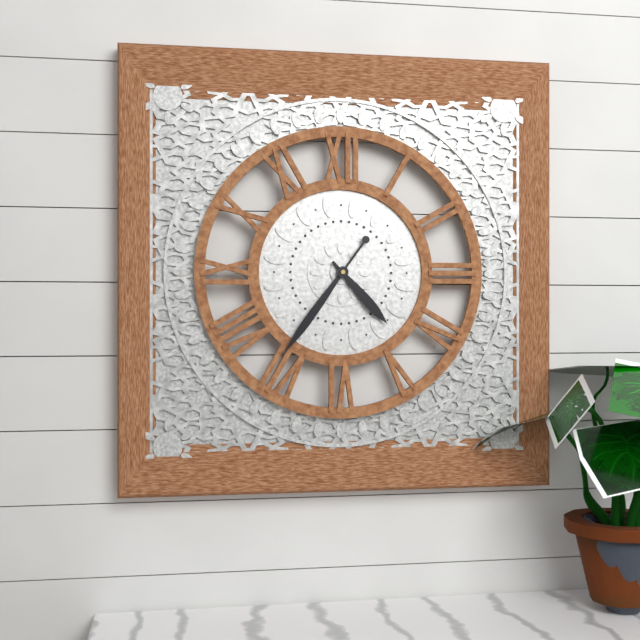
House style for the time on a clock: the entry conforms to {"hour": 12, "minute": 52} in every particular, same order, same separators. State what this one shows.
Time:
{"hour": 4, "minute": 36}
